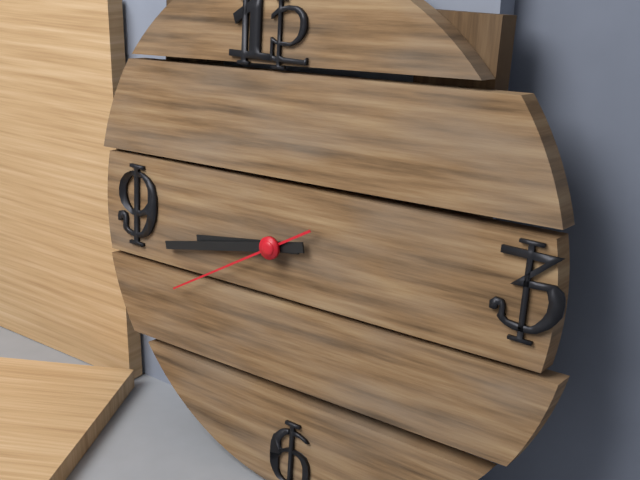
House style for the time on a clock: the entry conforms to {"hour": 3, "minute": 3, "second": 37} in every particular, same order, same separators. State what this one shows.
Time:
{"hour": 8, "minute": 43, "second": 40}
